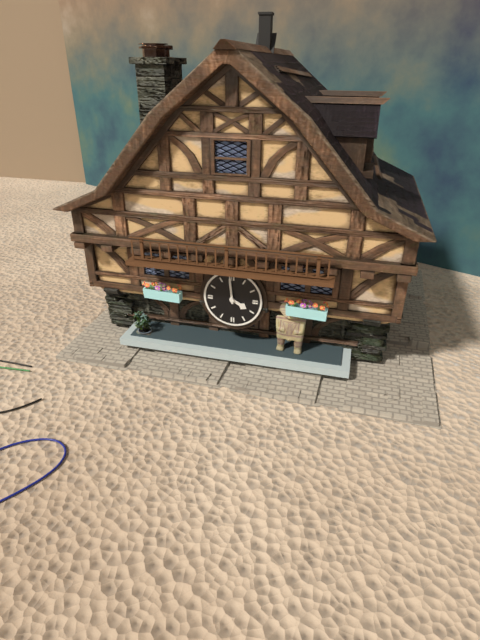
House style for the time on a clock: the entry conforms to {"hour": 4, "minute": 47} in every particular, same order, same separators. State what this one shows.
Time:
{"hour": 3, "minute": 59}
